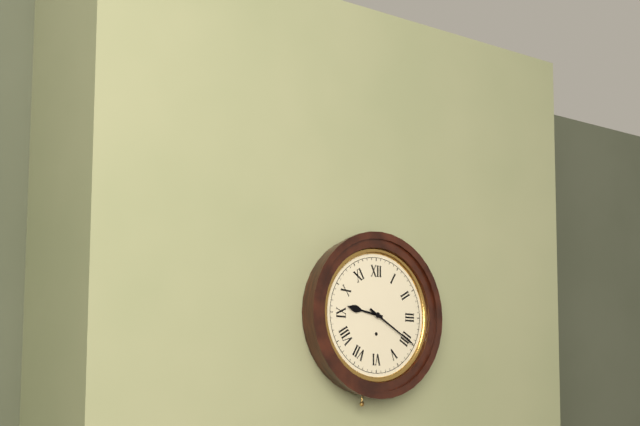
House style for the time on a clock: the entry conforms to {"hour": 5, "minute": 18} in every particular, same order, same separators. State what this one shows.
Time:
{"hour": 9, "minute": 20}
